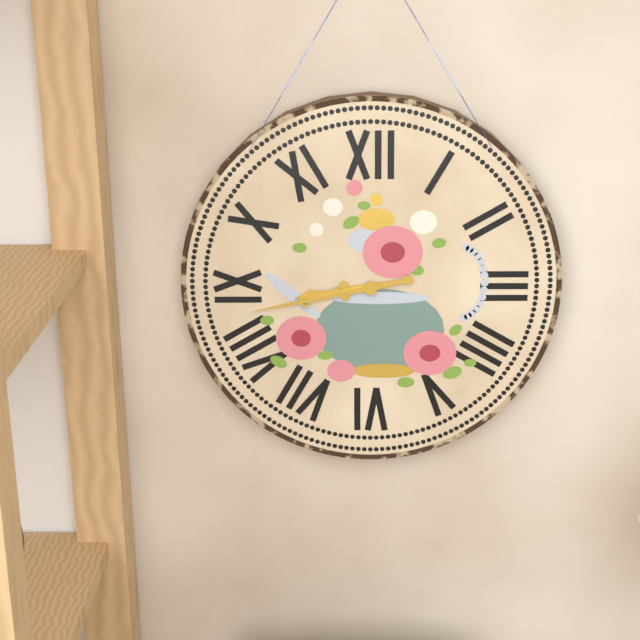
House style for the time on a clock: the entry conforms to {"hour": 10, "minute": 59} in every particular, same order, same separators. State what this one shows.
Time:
{"hour": 8, "minute": 43}
